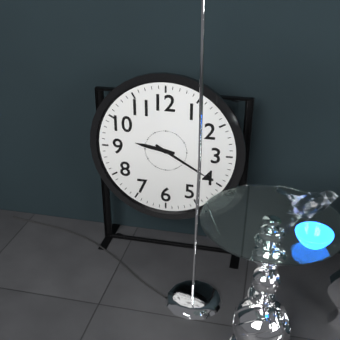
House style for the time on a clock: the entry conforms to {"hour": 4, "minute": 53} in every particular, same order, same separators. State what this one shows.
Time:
{"hour": 9, "minute": 20}
